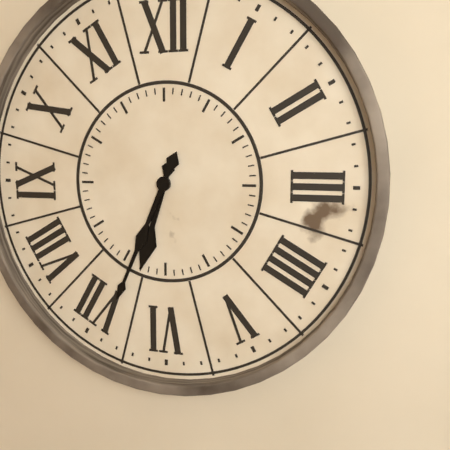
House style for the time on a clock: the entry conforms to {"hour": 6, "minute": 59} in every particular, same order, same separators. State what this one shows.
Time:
{"hour": 6, "minute": 34}
